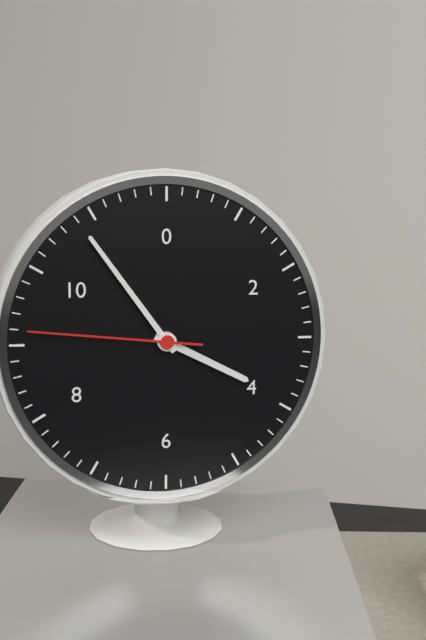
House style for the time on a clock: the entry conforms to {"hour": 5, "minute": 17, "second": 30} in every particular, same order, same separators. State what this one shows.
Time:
{"hour": 3, "minute": 54, "second": 46}
